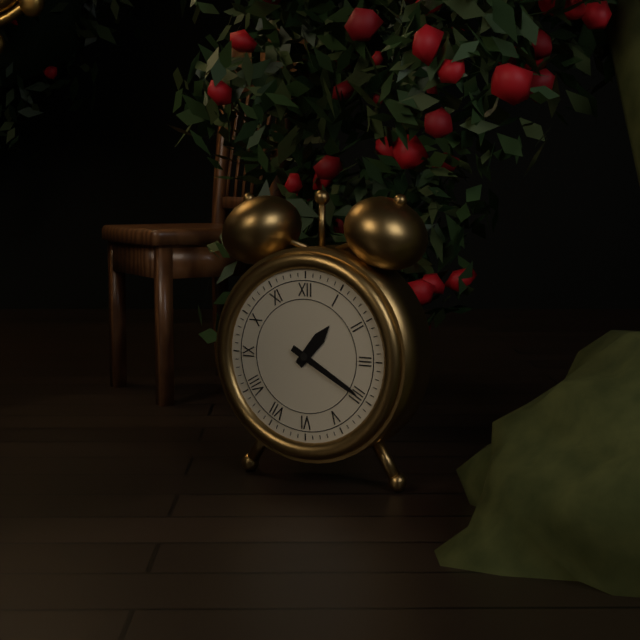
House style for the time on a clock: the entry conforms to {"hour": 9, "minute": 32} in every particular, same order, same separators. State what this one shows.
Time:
{"hour": 1, "minute": 20}
